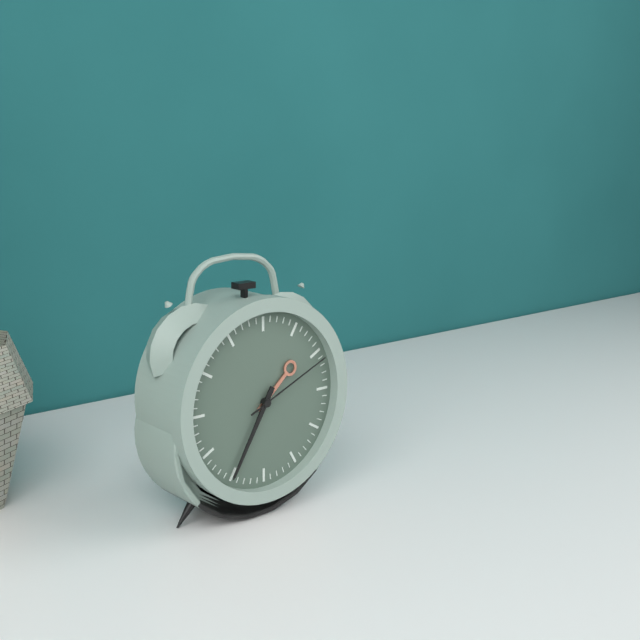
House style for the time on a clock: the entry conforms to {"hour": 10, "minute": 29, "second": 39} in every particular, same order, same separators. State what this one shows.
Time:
{"hour": 1, "minute": 35, "second": 11}
